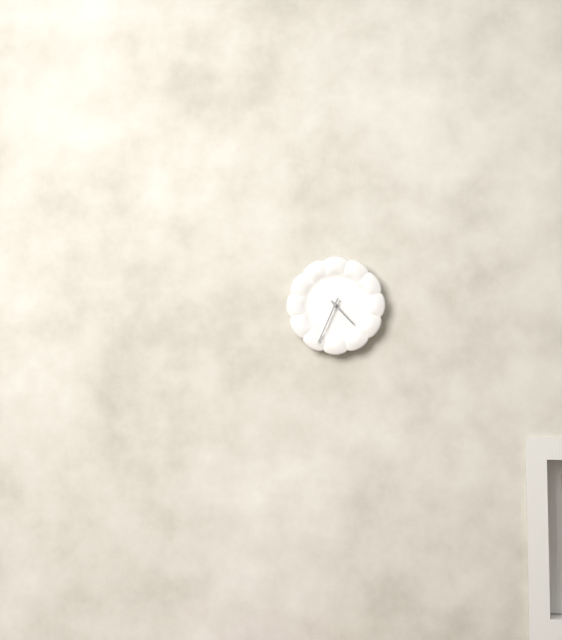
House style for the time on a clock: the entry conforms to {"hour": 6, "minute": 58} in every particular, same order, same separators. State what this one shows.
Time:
{"hour": 4, "minute": 34}
